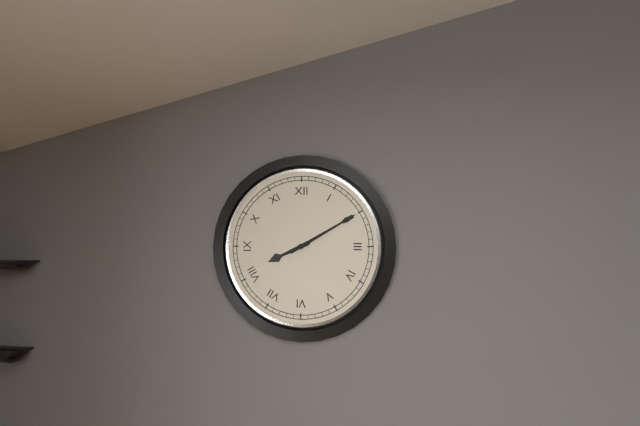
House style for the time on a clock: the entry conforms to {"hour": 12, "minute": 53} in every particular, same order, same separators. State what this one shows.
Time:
{"hour": 8, "minute": 10}
